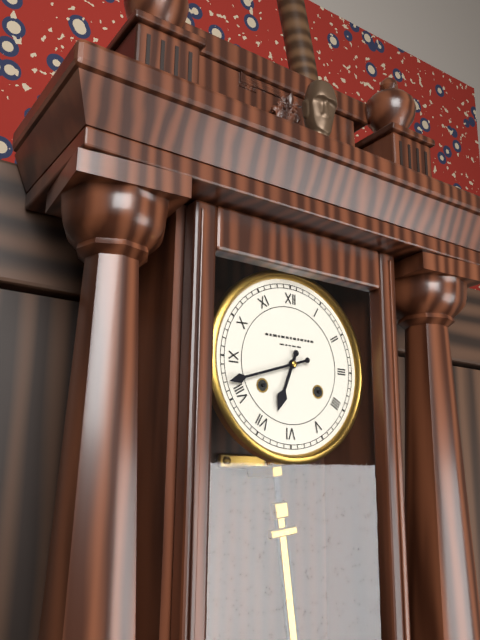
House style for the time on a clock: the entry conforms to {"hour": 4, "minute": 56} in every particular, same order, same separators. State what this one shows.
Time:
{"hour": 6, "minute": 42}
